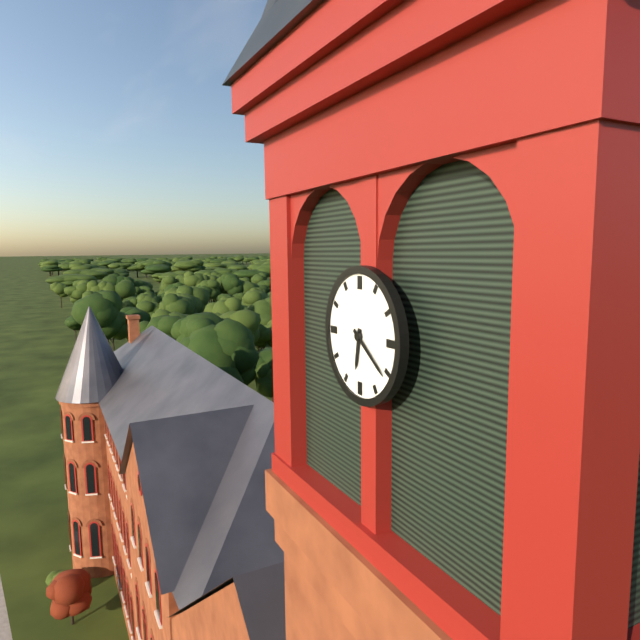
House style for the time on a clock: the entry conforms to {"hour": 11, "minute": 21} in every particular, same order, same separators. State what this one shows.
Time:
{"hour": 6, "minute": 21}
